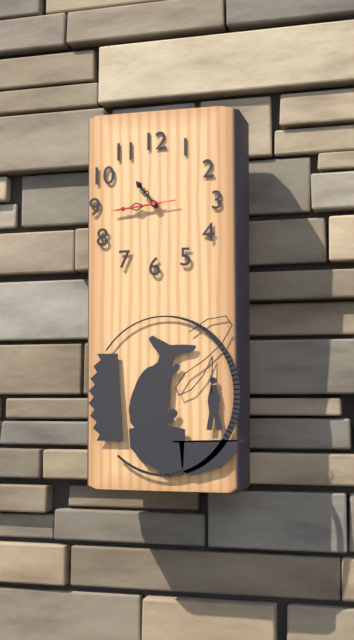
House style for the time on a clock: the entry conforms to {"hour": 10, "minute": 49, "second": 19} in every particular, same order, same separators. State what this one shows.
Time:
{"hour": 10, "minute": 44, "second": 44}
